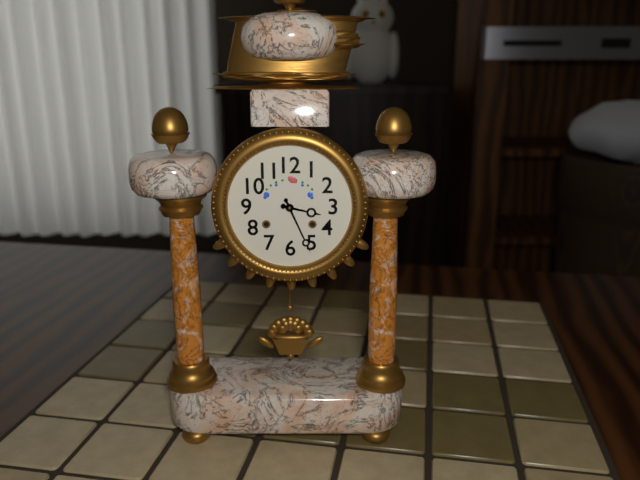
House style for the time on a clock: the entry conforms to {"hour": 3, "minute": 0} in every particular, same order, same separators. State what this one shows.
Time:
{"hour": 3, "minute": 26}
